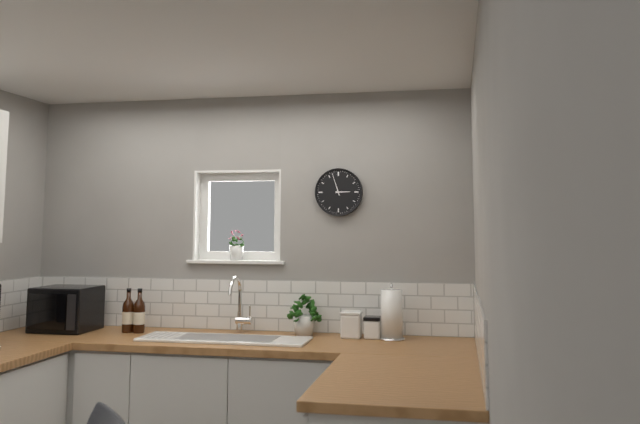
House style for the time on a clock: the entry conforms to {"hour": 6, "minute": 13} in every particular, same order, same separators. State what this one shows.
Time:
{"hour": 2, "minute": 57}
